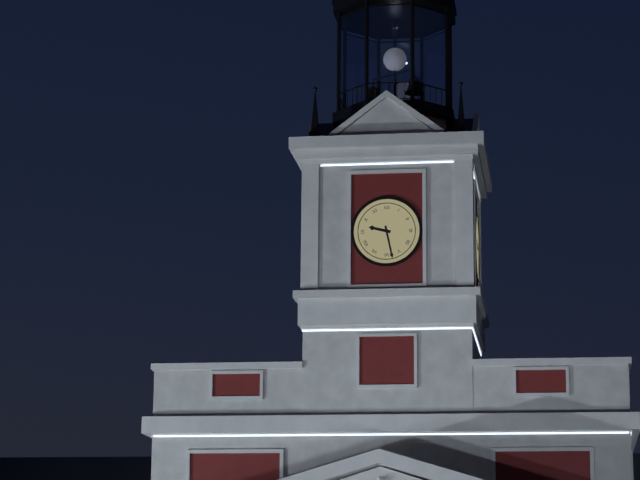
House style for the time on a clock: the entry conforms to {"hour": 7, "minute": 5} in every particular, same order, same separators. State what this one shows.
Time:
{"hour": 9, "minute": 28}
